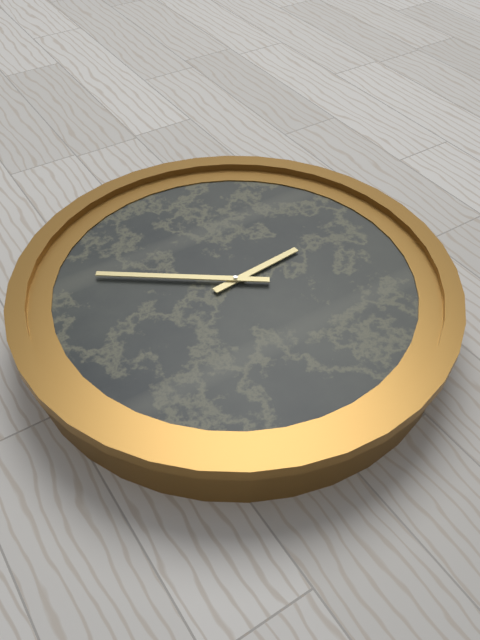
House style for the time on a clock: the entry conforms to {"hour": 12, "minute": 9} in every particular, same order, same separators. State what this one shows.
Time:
{"hour": 2, "minute": 51}
